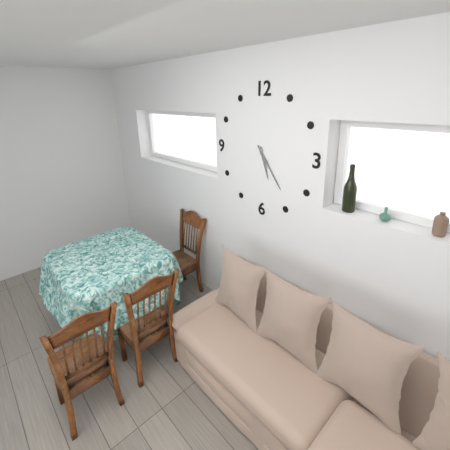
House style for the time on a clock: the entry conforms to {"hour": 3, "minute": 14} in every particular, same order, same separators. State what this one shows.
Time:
{"hour": 5, "minute": 24}
